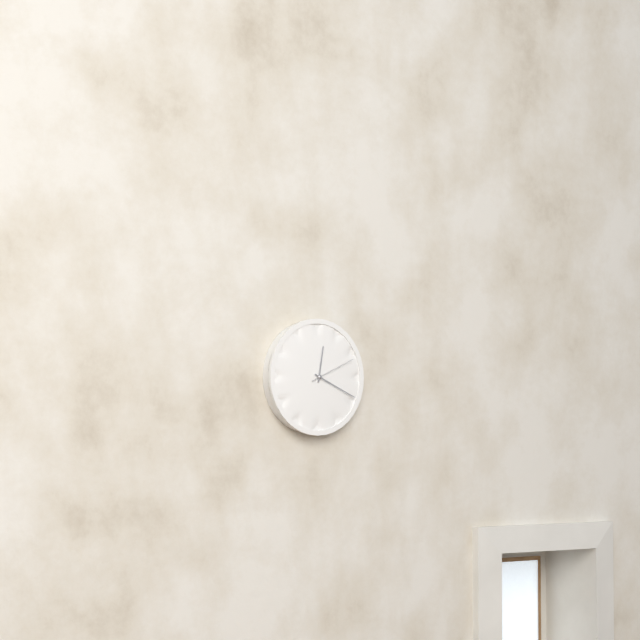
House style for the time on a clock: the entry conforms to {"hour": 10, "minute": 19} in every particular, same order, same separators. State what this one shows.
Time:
{"hour": 12, "minute": 19}
